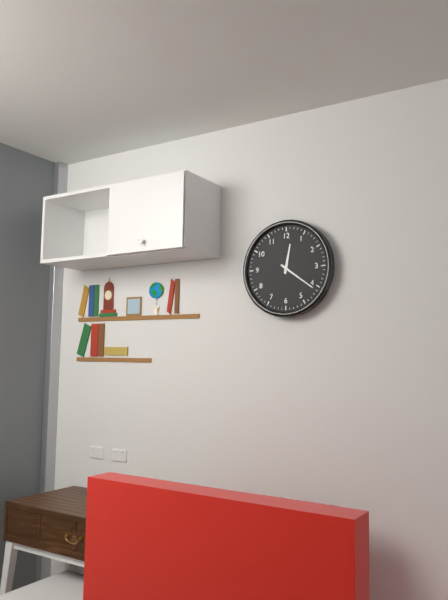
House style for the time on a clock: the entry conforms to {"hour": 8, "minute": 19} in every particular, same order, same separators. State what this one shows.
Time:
{"hour": 12, "minute": 21}
